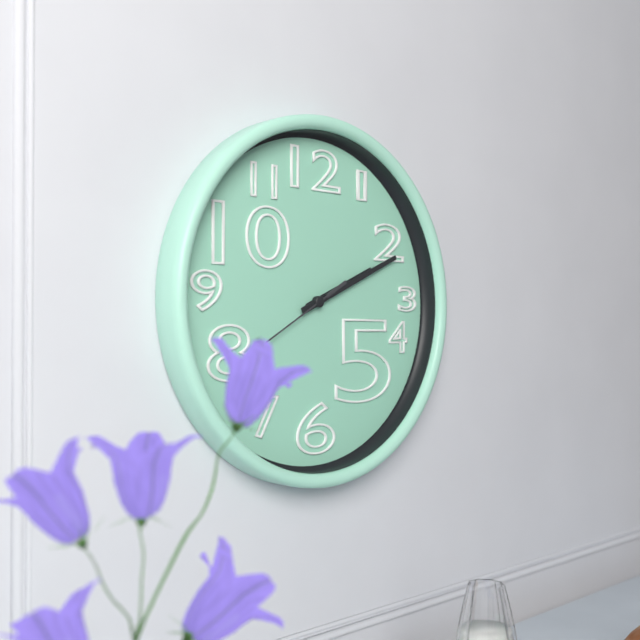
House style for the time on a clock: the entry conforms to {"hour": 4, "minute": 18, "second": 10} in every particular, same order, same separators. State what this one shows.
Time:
{"hour": 2, "minute": 11, "second": 40}
